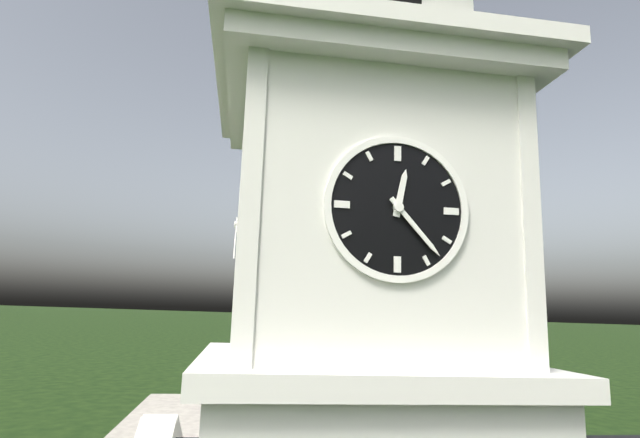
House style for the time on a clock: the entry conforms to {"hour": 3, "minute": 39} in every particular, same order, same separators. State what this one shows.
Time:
{"hour": 12, "minute": 23}
